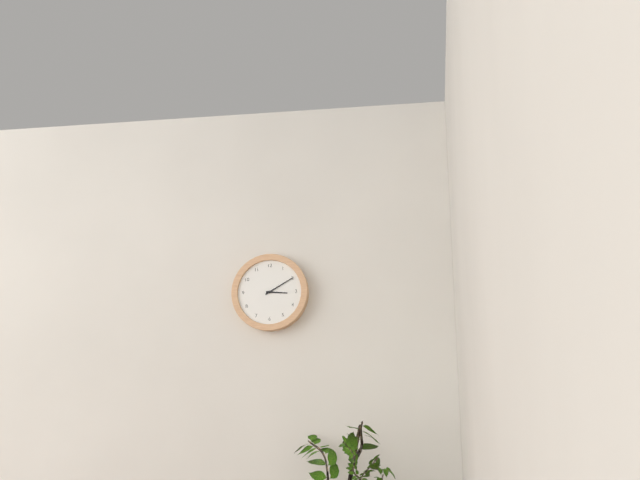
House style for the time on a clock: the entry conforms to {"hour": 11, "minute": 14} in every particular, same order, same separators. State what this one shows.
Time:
{"hour": 3, "minute": 10}
